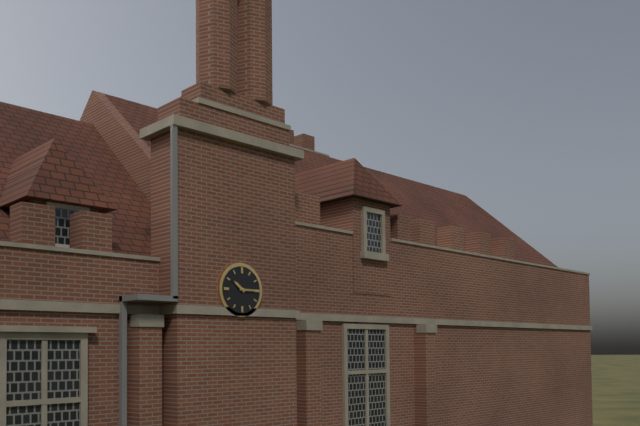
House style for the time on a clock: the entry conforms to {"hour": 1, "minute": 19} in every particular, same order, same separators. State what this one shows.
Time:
{"hour": 10, "minute": 15}
